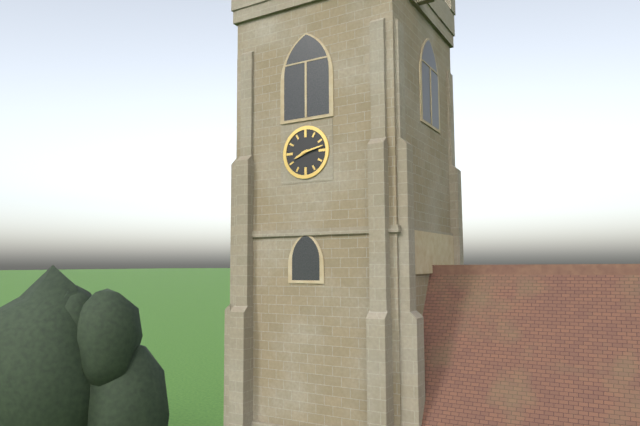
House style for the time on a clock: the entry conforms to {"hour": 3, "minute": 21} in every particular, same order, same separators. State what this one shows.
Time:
{"hour": 8, "minute": 13}
